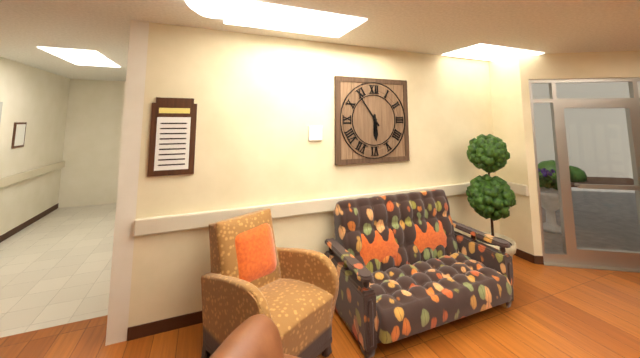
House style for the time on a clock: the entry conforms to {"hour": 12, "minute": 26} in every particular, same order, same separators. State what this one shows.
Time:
{"hour": 5, "minute": 54}
